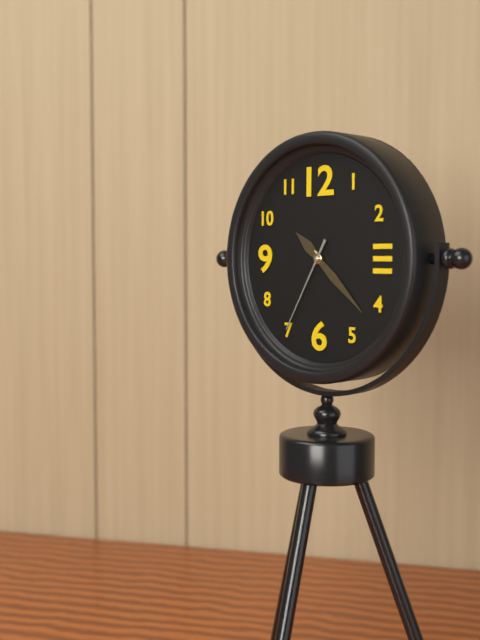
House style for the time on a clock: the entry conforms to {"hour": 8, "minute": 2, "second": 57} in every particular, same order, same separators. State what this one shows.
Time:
{"hour": 10, "minute": 22, "second": 35}
